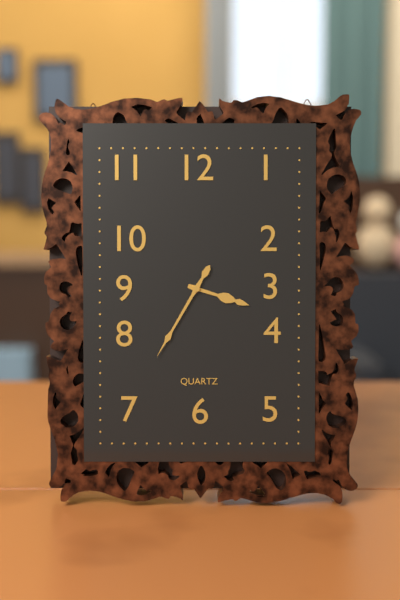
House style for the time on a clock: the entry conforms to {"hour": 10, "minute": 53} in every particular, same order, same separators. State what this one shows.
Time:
{"hour": 3, "minute": 35}
